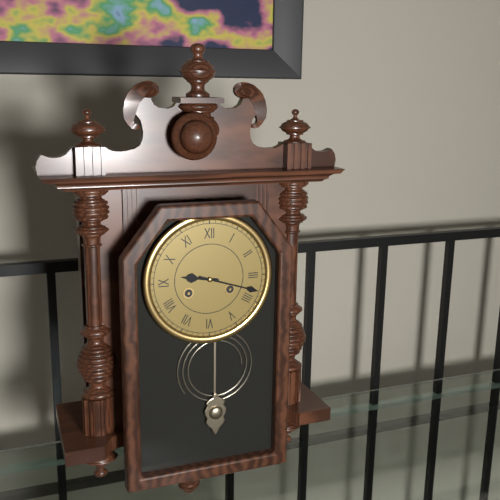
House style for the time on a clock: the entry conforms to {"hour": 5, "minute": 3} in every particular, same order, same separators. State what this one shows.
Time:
{"hour": 9, "minute": 18}
